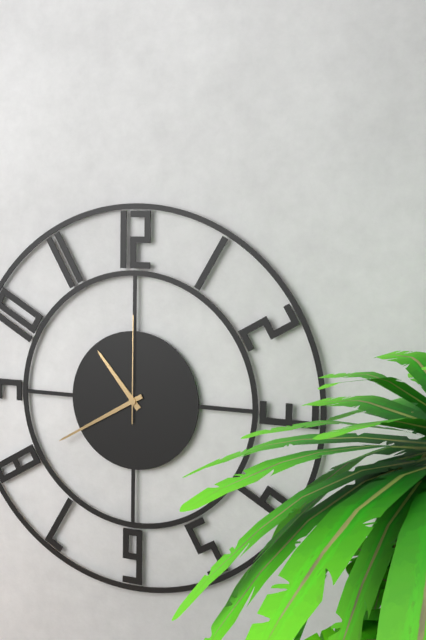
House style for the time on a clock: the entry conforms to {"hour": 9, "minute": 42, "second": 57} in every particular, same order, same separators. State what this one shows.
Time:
{"hour": 10, "minute": 40, "second": 0}
